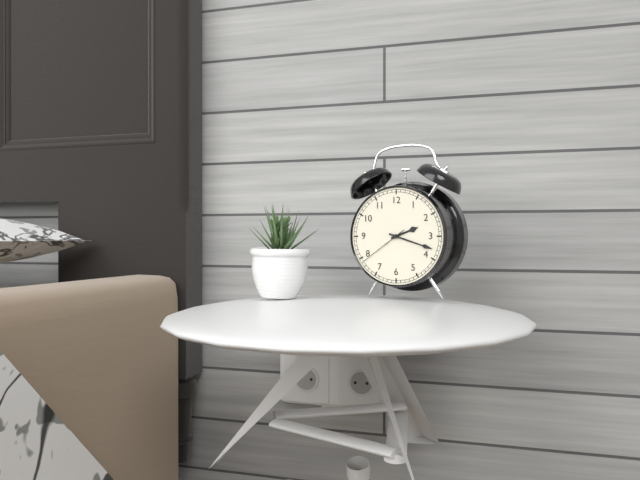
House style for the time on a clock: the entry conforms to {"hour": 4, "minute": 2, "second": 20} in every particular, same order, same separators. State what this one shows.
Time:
{"hour": 2, "minute": 18, "second": 39}
